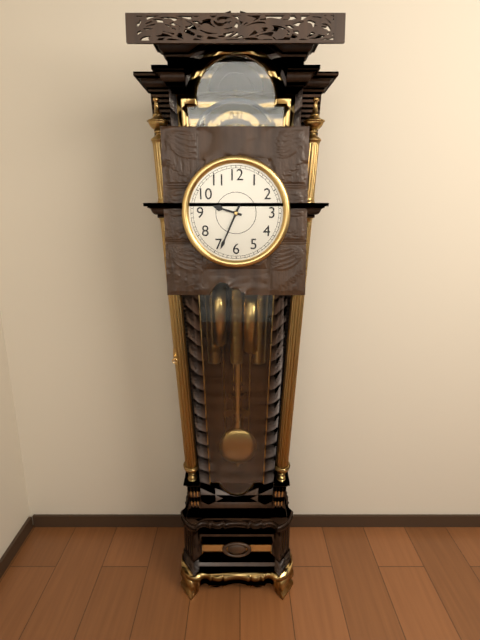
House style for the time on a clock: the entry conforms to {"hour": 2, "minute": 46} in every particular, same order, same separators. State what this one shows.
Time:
{"hour": 9, "minute": 34}
